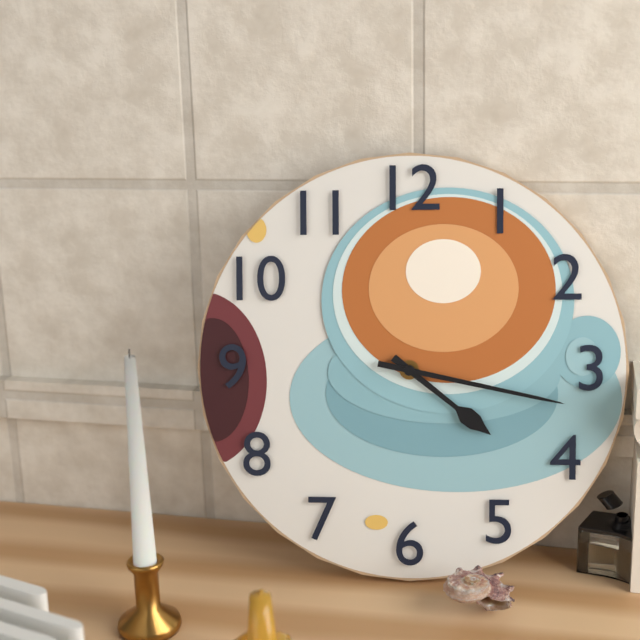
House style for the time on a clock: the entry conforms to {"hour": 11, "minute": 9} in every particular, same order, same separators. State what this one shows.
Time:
{"hour": 4, "minute": 17}
